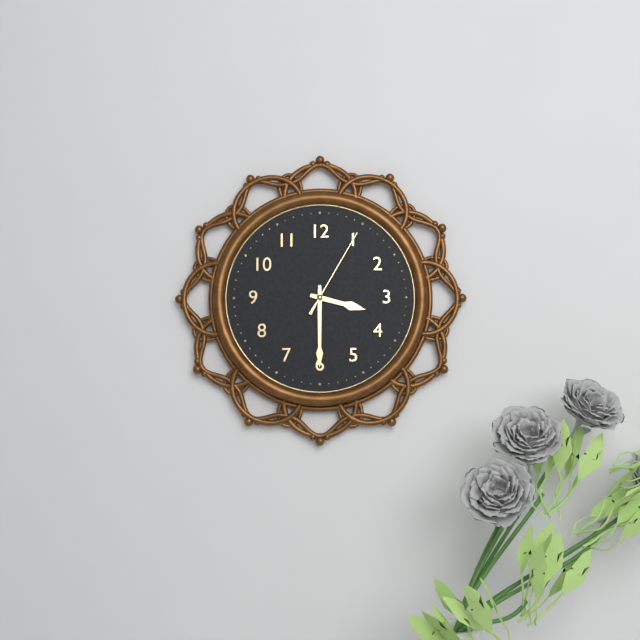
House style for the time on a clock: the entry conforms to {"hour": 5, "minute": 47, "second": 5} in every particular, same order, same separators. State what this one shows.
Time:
{"hour": 3, "minute": 30, "second": 5}
